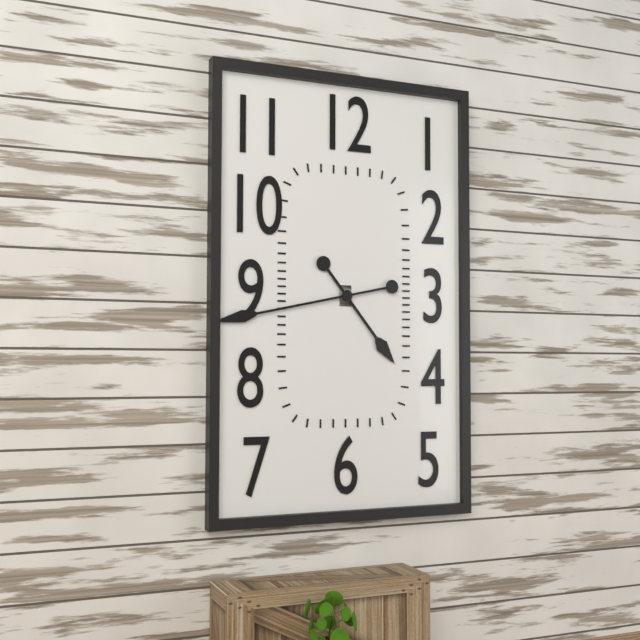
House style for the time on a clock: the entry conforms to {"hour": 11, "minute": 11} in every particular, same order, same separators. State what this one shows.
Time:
{"hour": 4, "minute": 43}
